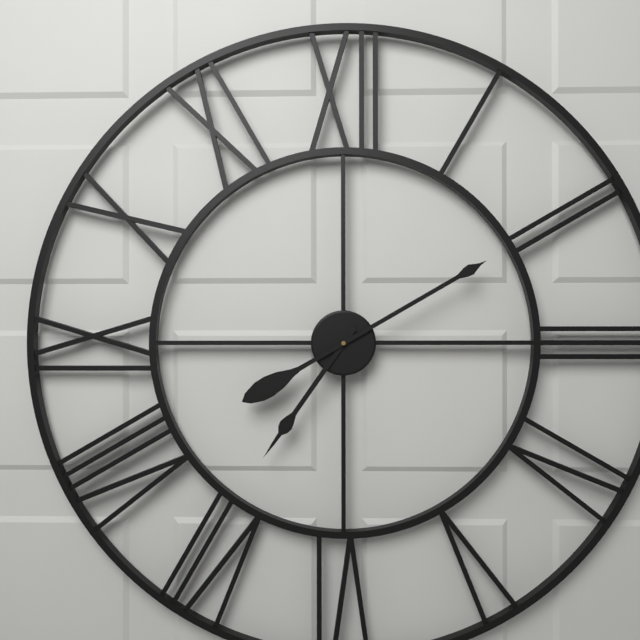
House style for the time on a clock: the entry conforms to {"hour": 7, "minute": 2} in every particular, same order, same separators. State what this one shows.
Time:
{"hour": 7, "minute": 10}
